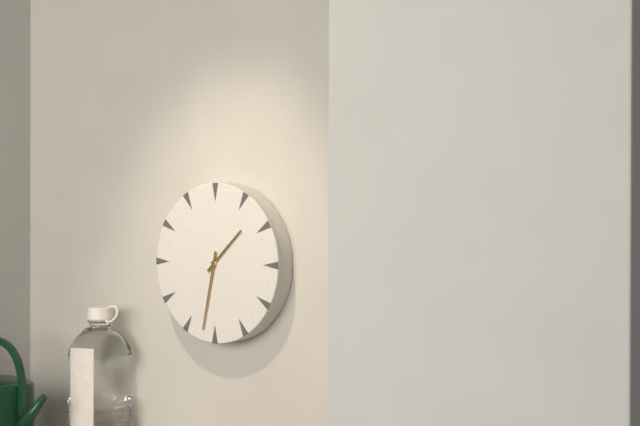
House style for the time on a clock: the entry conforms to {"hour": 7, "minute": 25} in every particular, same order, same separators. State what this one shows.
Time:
{"hour": 1, "minute": 32}
